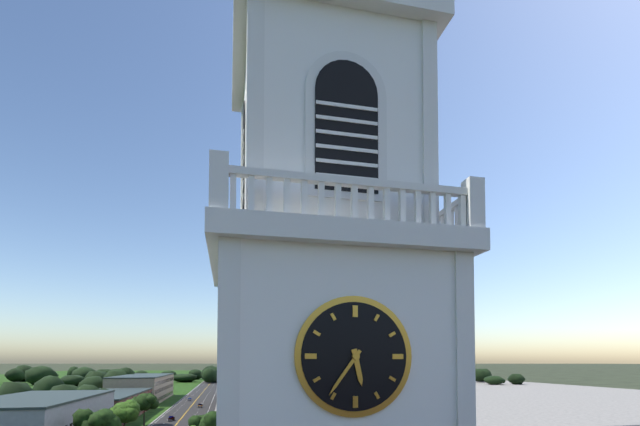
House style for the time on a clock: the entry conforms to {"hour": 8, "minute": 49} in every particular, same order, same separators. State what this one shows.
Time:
{"hour": 5, "minute": 36}
